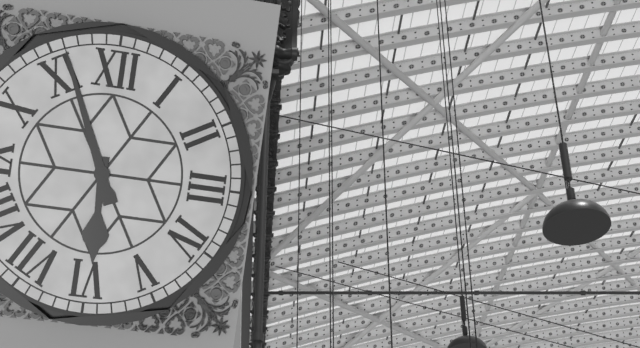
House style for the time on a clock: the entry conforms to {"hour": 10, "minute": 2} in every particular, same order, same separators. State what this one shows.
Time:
{"hour": 5, "minute": 56}
